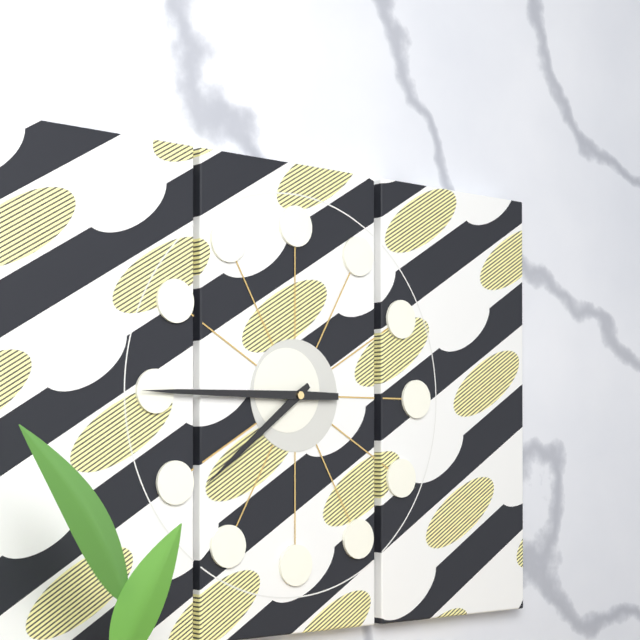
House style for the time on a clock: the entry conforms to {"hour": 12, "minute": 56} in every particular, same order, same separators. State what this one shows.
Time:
{"hour": 7, "minute": 45}
